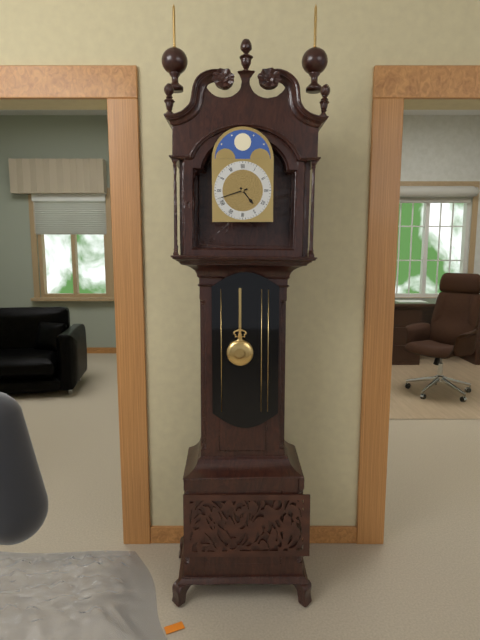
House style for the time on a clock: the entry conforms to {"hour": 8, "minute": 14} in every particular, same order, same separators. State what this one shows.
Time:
{"hour": 4, "minute": 42}
